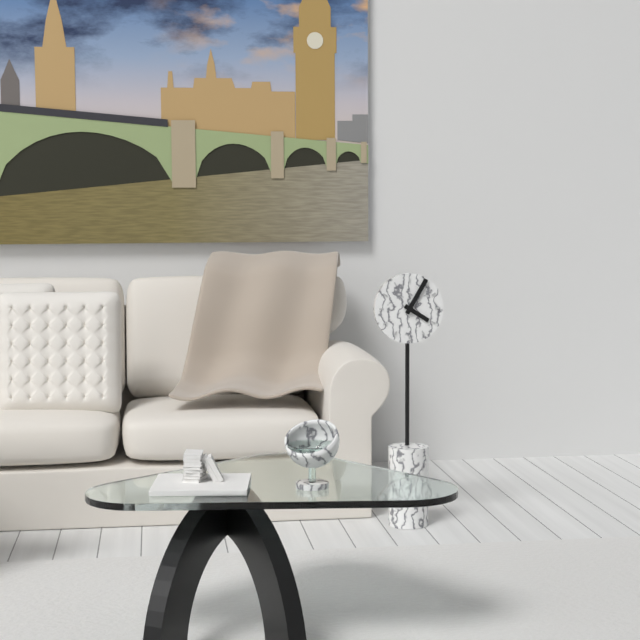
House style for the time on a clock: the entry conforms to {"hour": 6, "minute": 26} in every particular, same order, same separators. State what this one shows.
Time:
{"hour": 4, "minute": 5}
